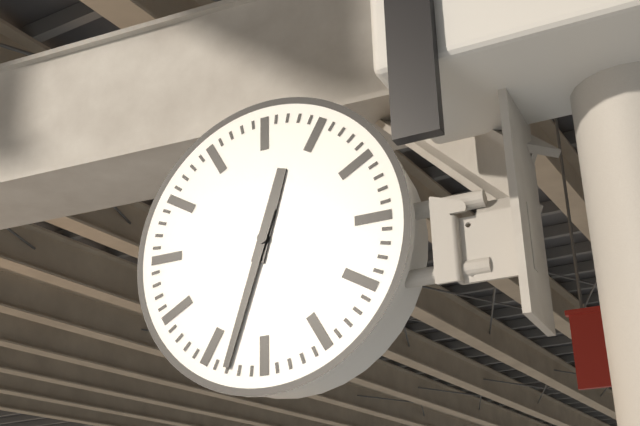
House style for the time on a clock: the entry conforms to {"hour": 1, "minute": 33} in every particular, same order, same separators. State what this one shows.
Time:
{"hour": 12, "minute": 33}
